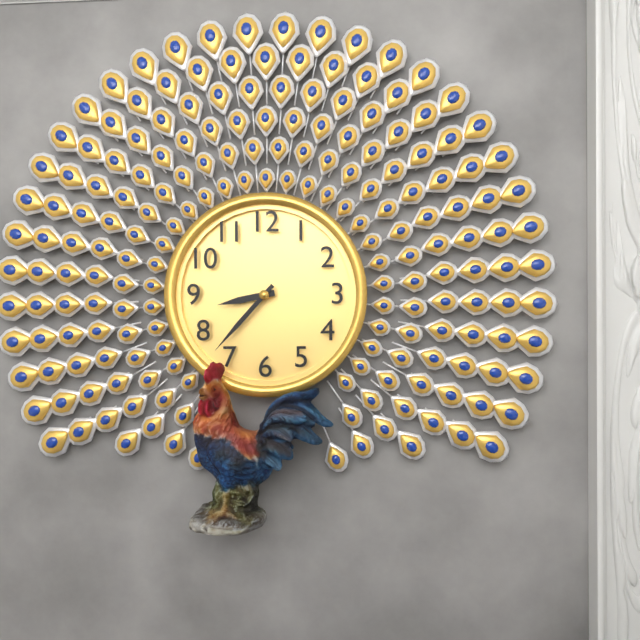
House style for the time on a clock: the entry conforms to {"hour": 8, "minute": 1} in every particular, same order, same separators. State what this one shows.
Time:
{"hour": 8, "minute": 37}
